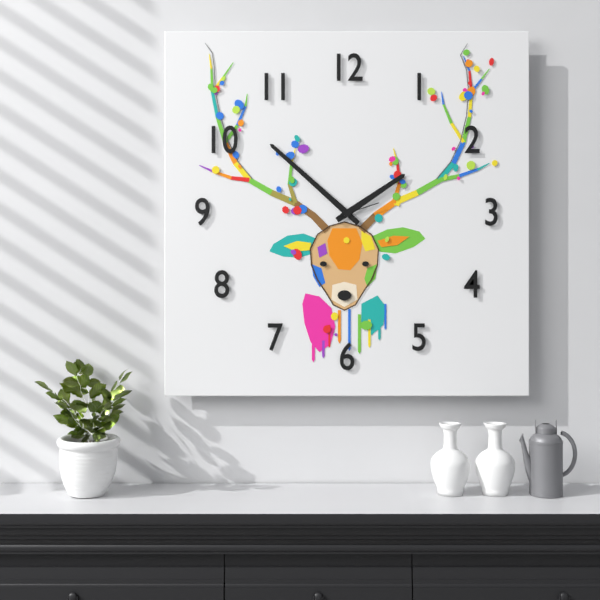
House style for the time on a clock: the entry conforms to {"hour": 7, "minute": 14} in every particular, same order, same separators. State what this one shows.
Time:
{"hour": 1, "minute": 52}
